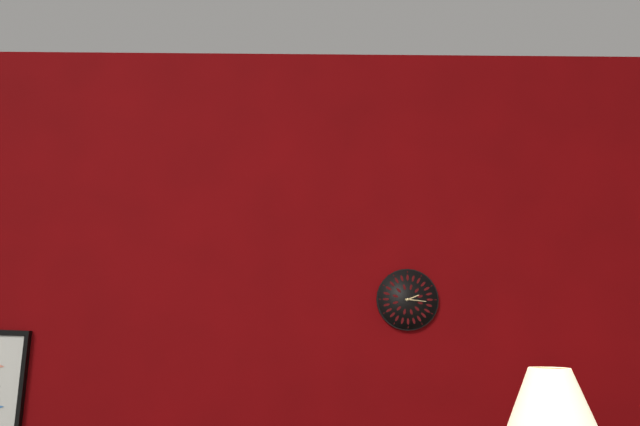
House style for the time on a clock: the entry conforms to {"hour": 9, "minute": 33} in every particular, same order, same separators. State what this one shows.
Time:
{"hour": 2, "minute": 16}
